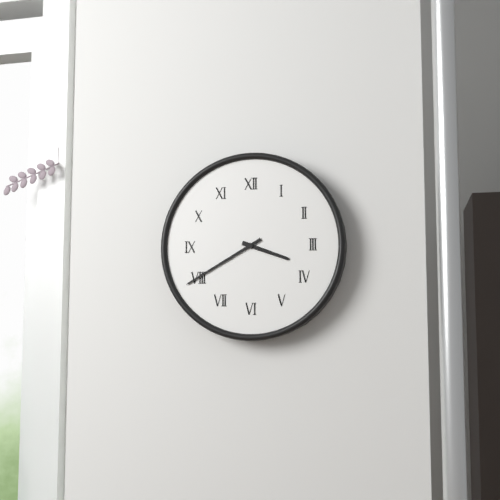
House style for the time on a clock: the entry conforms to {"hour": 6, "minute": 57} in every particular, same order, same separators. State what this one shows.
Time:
{"hour": 3, "minute": 40}
